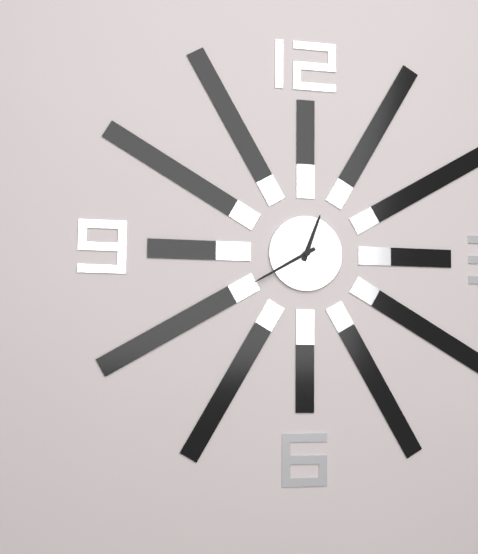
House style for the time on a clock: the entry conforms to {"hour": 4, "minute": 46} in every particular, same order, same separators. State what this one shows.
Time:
{"hour": 12, "minute": 40}
